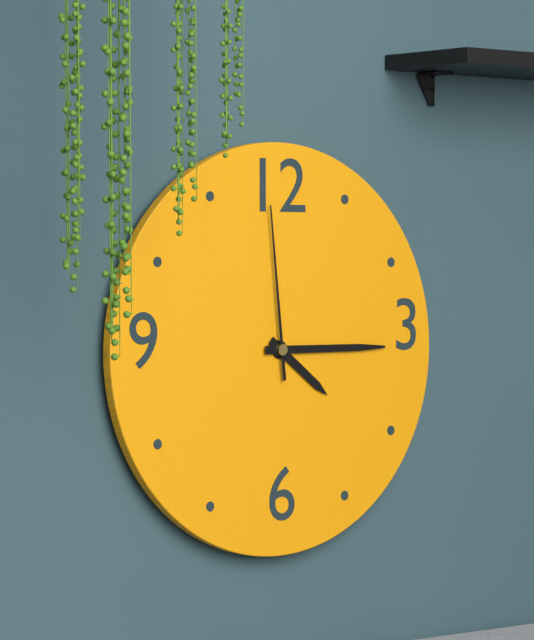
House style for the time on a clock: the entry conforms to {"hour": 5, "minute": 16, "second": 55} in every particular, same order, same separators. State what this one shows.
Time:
{"hour": 4, "minute": 15, "second": 59}
